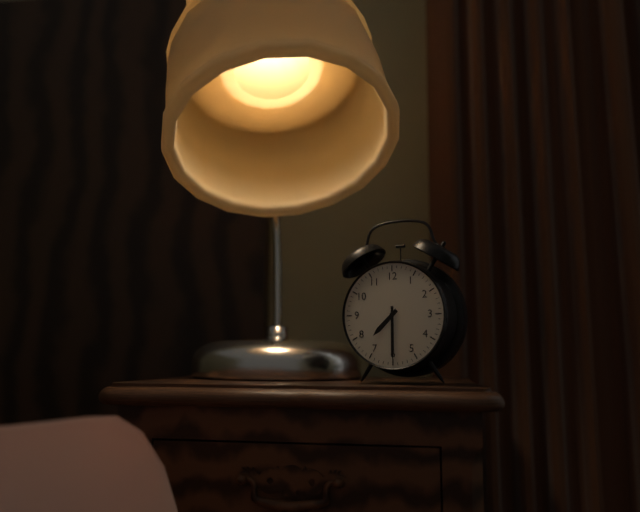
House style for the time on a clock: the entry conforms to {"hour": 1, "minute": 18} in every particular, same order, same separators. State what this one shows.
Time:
{"hour": 7, "minute": 30}
